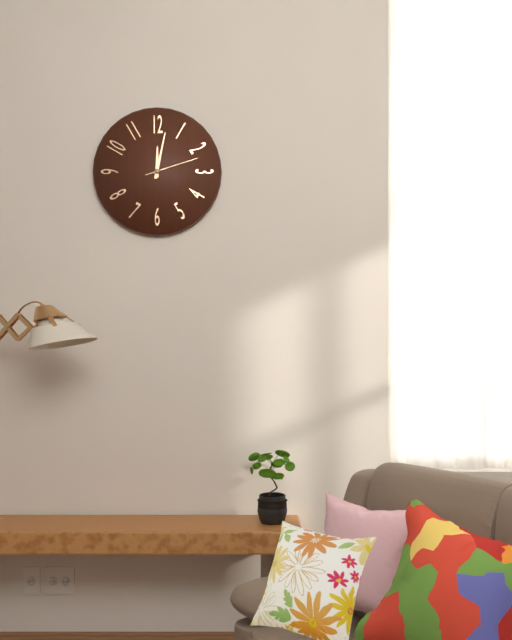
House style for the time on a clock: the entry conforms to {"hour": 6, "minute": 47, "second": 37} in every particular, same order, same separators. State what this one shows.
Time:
{"hour": 12, "minute": 2, "second": 12}
